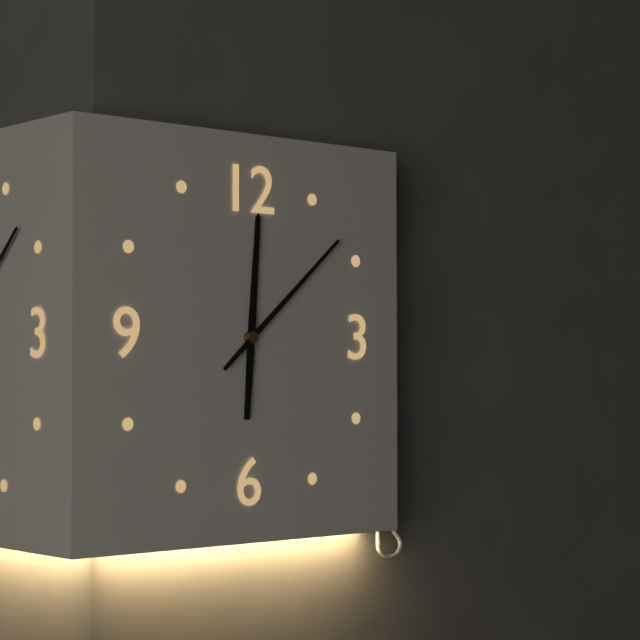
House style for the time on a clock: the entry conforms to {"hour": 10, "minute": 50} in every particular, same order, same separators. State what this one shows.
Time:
{"hour": 12, "minute": 8}
